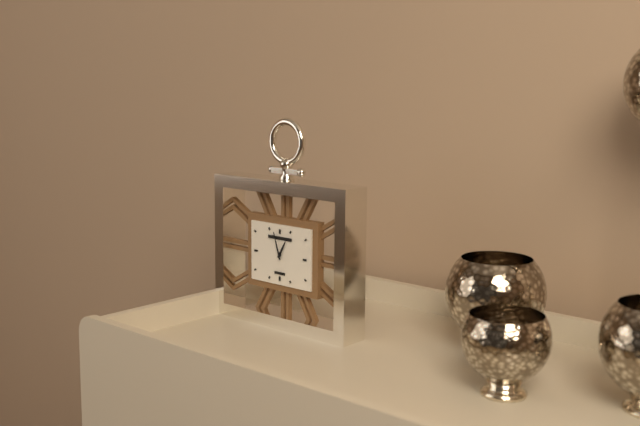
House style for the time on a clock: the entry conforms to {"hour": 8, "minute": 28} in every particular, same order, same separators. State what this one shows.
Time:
{"hour": 12, "minute": 57}
